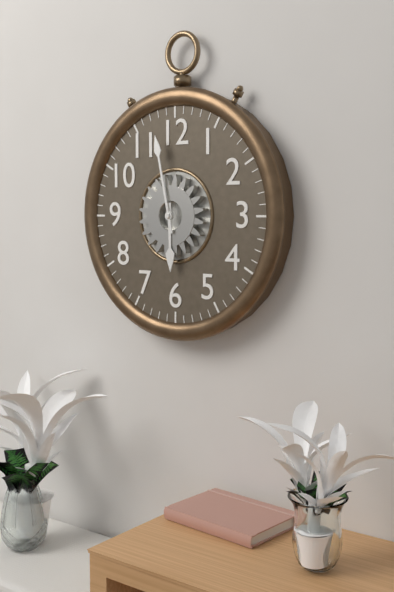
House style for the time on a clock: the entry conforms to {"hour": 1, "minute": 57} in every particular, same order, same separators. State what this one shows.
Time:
{"hour": 5, "minute": 58}
